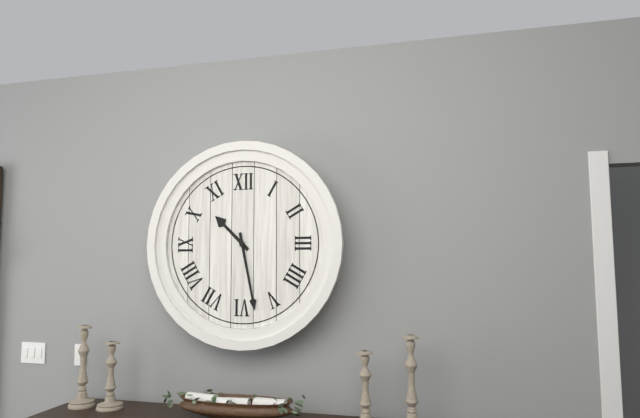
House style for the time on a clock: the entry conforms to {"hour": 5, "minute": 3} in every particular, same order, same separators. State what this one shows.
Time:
{"hour": 10, "minute": 28}
